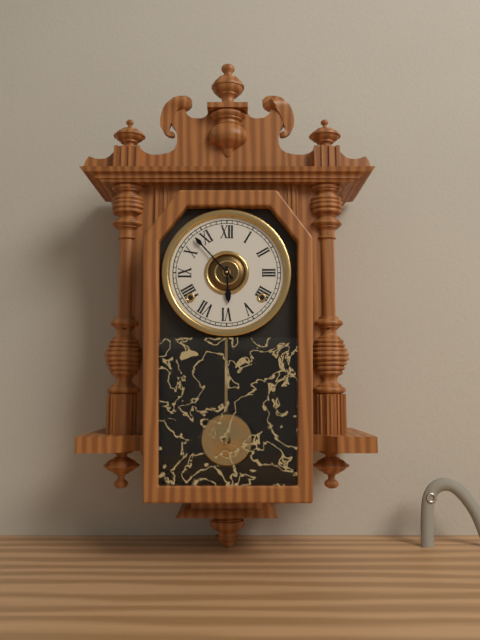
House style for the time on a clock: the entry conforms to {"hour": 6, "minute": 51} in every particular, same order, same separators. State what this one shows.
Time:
{"hour": 5, "minute": 53}
